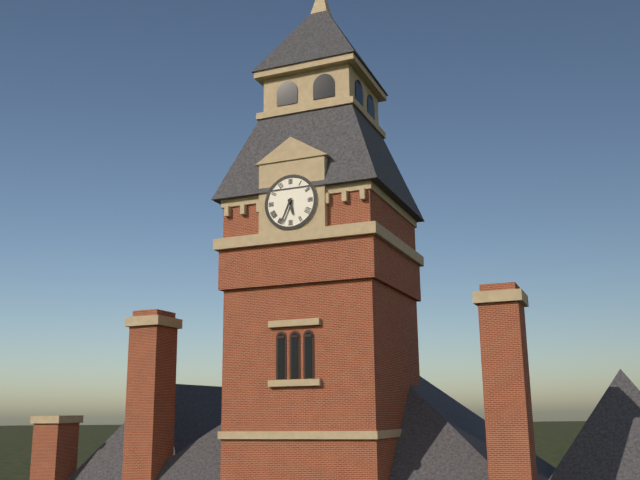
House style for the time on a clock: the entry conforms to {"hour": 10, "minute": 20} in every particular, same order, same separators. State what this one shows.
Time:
{"hour": 5, "minute": 34}
